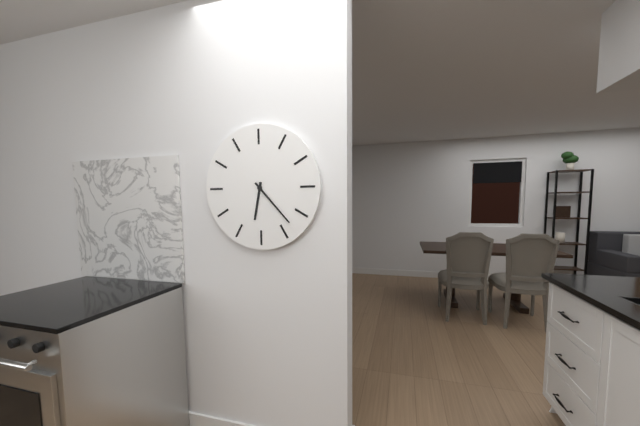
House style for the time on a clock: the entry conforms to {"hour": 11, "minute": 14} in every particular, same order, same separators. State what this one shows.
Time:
{"hour": 6, "minute": 23}
